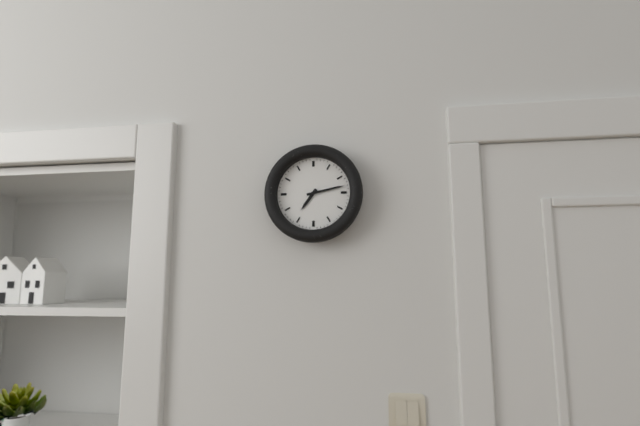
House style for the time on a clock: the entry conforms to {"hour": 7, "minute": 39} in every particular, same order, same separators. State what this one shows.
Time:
{"hour": 7, "minute": 13}
